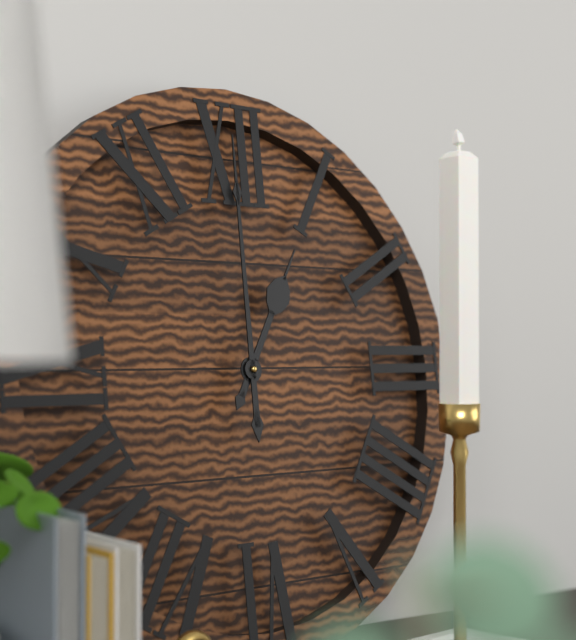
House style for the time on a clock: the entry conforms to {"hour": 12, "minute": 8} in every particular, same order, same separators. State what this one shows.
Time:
{"hour": 1, "minute": 0}
